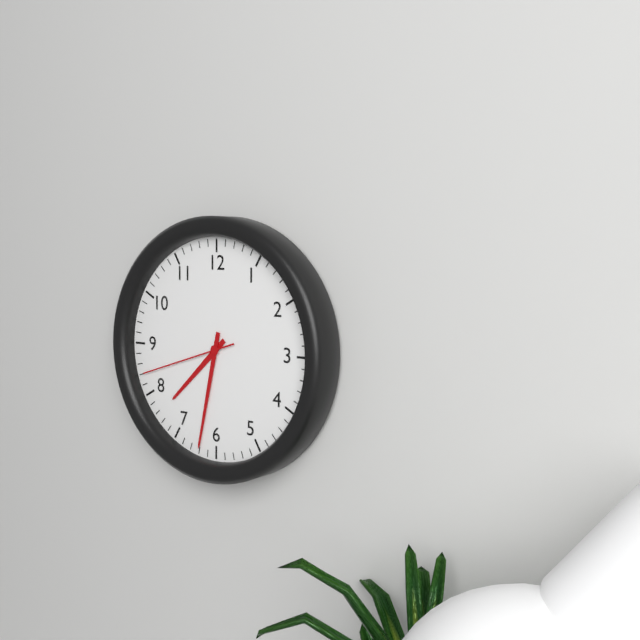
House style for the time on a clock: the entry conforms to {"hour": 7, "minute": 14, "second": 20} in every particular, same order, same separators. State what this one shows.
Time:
{"hour": 7, "minute": 32, "second": 42}
